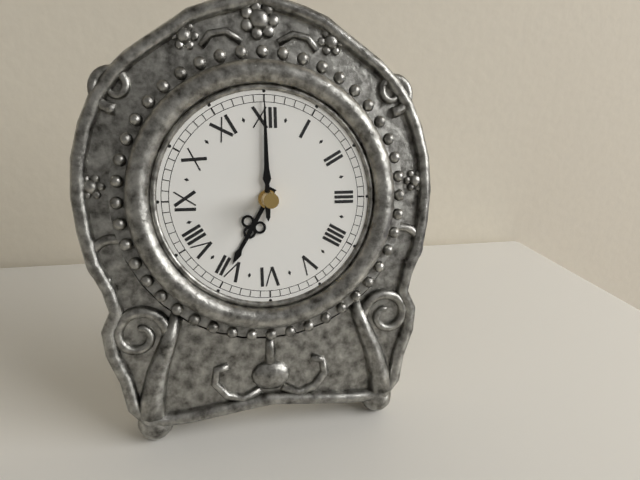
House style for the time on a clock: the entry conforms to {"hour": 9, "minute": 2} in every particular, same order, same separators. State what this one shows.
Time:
{"hour": 7, "minute": 0}
